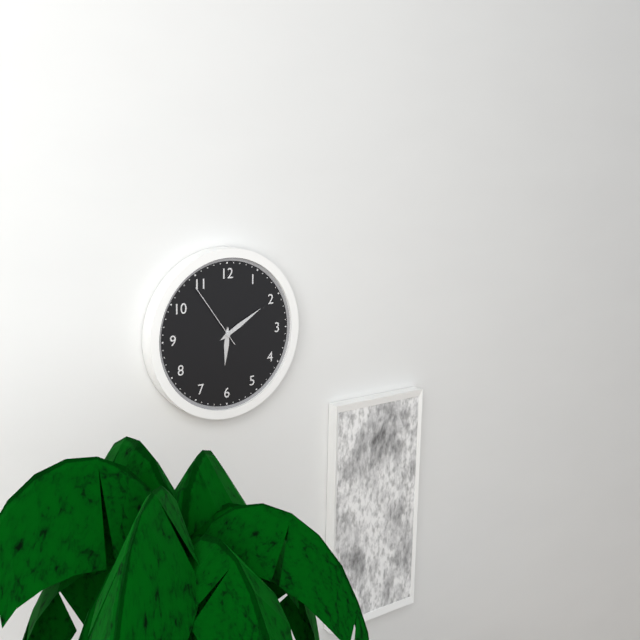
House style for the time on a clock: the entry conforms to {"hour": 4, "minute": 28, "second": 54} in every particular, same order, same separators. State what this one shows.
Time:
{"hour": 6, "minute": 10, "second": 54}
